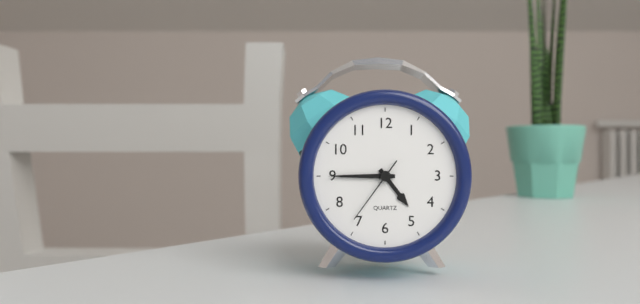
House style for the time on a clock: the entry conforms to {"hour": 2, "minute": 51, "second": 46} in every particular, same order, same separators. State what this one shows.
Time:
{"hour": 4, "minute": 45, "second": 36}
